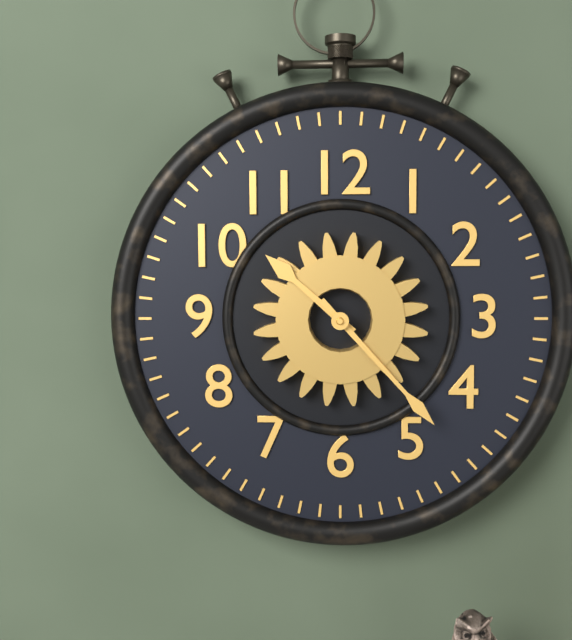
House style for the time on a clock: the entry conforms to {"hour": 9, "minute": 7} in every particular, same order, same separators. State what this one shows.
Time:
{"hour": 10, "minute": 23}
